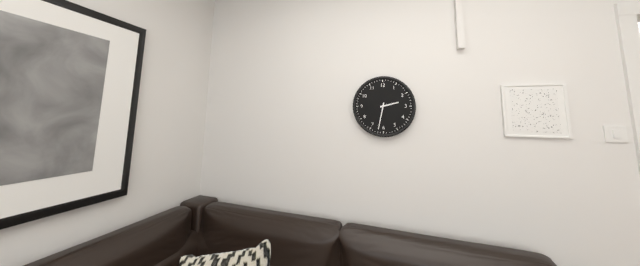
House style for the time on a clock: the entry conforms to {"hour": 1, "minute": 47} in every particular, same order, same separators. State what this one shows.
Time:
{"hour": 2, "minute": 32}
